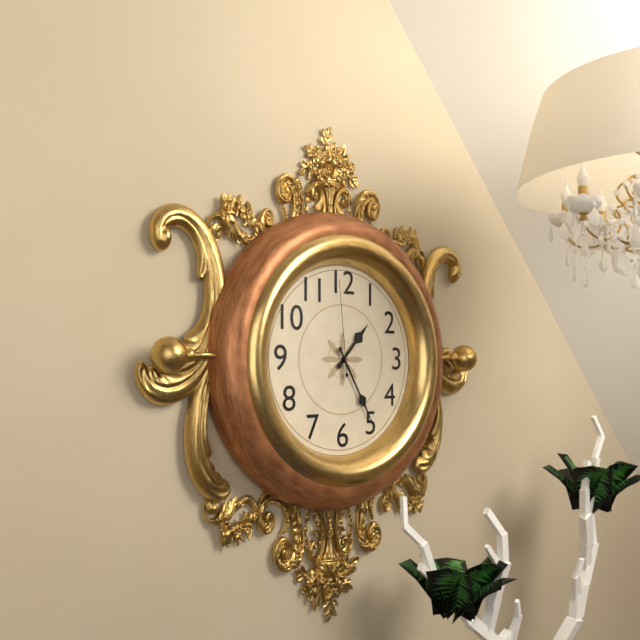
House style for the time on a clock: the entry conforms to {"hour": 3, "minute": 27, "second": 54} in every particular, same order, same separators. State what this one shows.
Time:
{"hour": 1, "minute": 25, "second": 59}
